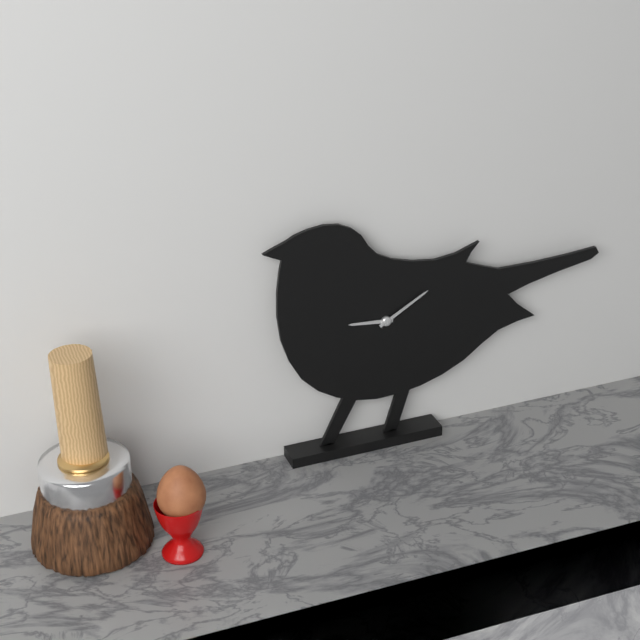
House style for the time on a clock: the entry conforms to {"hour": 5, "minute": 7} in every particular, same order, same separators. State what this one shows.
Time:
{"hour": 9, "minute": 10}
